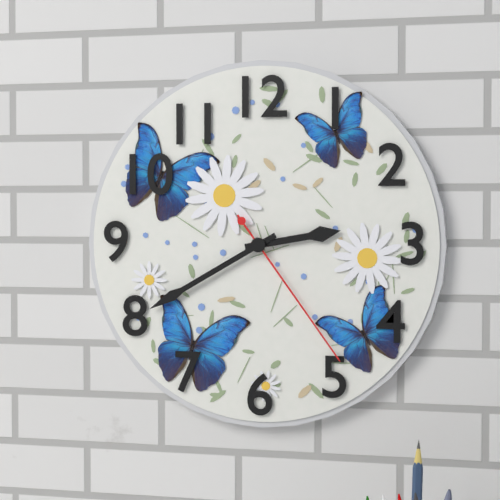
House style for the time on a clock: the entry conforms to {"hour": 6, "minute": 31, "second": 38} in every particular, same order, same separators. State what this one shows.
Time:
{"hour": 2, "minute": 40, "second": 24}
